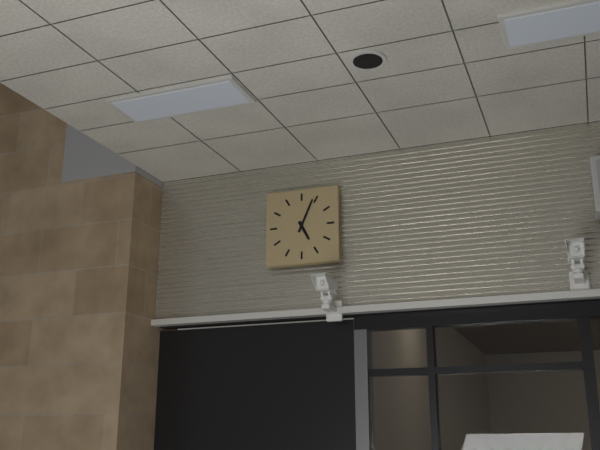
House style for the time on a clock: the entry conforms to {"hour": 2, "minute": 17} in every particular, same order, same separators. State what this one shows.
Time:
{"hour": 5, "minute": 4}
